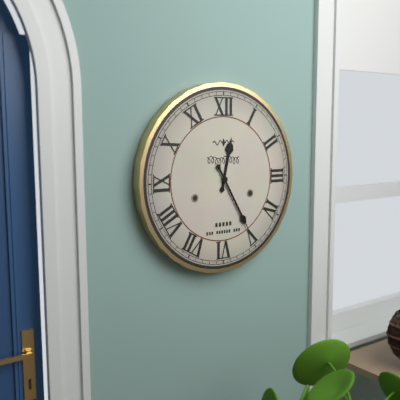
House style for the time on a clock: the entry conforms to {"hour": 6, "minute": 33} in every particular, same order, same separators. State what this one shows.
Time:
{"hour": 12, "minute": 25}
